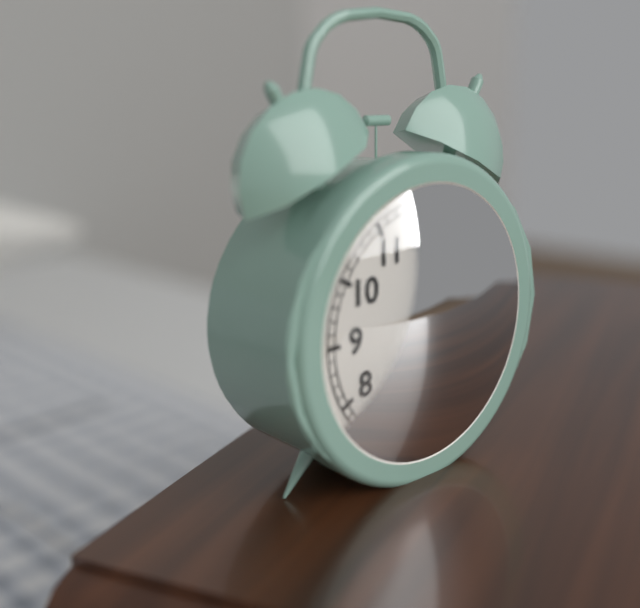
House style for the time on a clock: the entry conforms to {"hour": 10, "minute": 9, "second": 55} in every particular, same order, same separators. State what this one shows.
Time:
{"hour": 6, "minute": 23, "second": 33}
